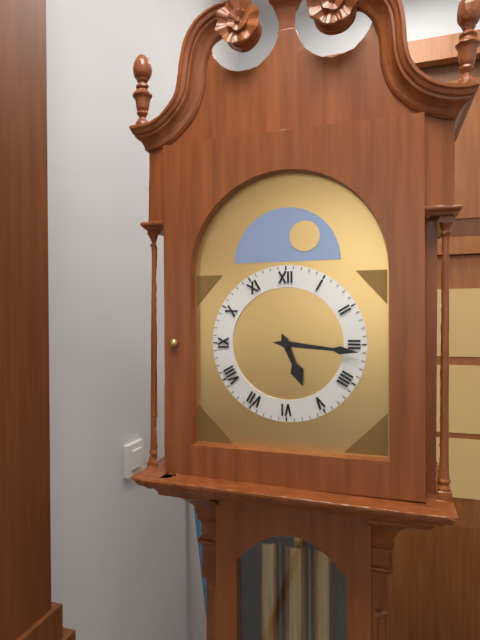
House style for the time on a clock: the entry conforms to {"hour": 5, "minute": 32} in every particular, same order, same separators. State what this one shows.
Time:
{"hour": 5, "minute": 16}
